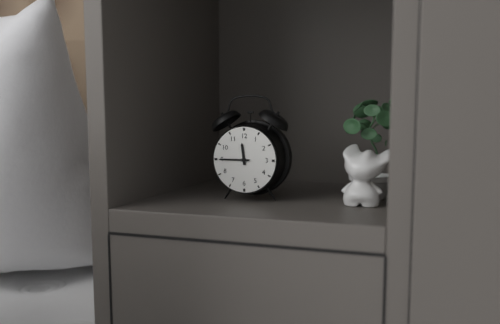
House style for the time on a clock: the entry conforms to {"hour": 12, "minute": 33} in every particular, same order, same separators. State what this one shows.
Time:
{"hour": 11, "minute": 45}
